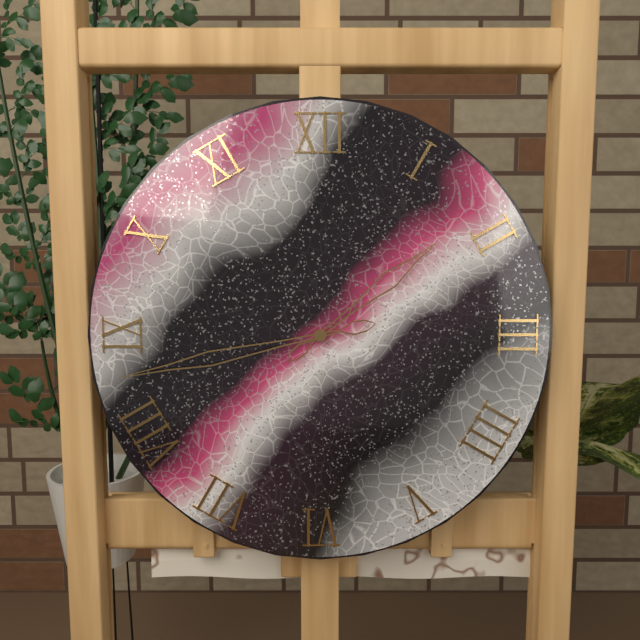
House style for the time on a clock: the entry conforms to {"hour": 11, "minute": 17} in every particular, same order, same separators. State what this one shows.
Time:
{"hour": 1, "minute": 43}
